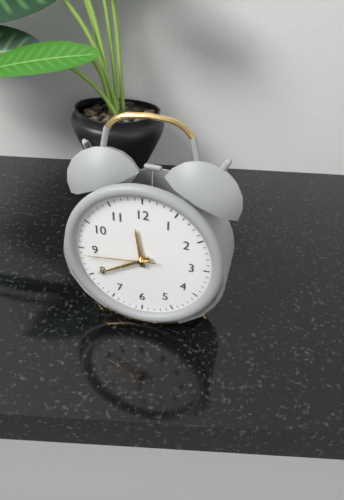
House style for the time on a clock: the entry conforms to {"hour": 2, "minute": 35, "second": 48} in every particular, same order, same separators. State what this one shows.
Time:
{"hour": 11, "minute": 40, "second": 44}
